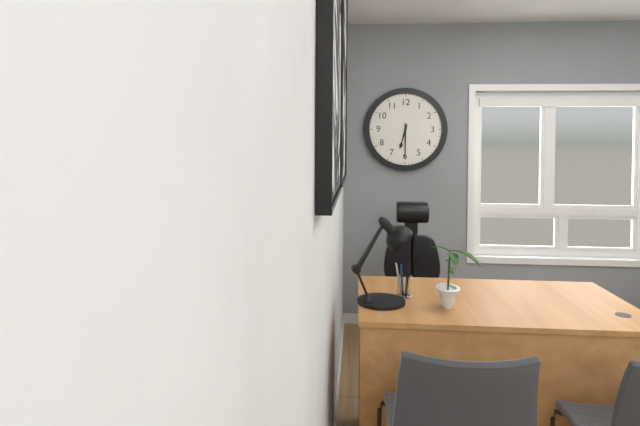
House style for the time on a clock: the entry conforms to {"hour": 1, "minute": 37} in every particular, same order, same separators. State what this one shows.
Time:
{"hour": 6, "minute": 30}
